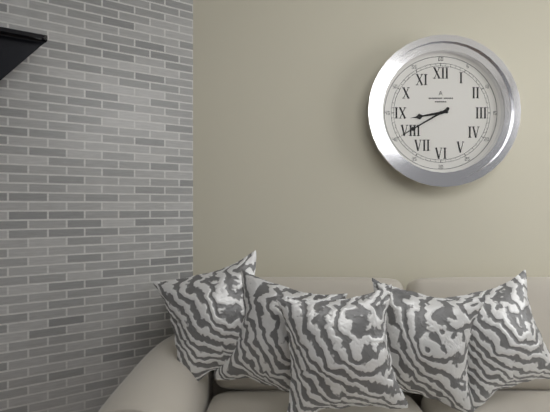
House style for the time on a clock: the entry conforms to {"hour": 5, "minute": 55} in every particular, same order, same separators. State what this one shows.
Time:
{"hour": 8, "minute": 40}
